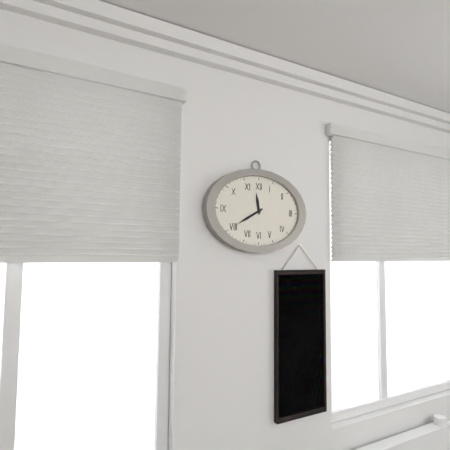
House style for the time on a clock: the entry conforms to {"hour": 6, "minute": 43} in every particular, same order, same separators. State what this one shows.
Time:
{"hour": 11, "minute": 40}
